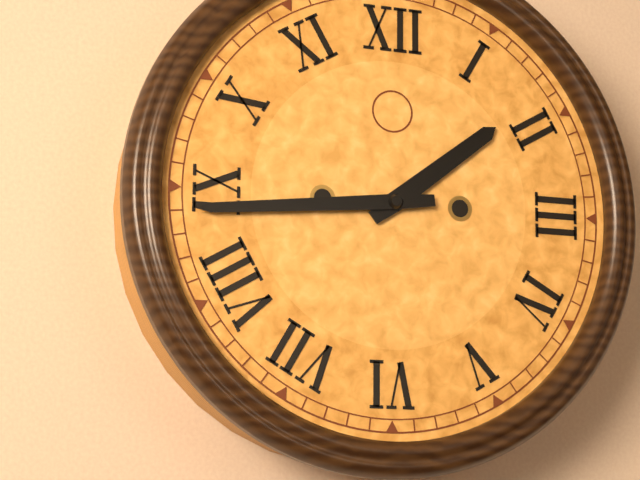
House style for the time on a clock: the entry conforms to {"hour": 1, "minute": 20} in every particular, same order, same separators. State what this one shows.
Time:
{"hour": 1, "minute": 44}
